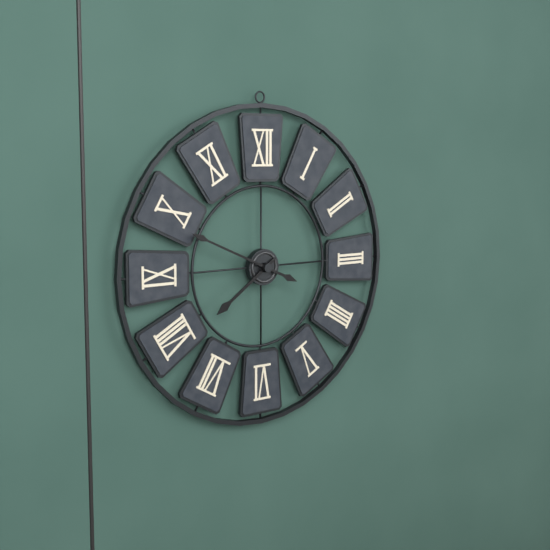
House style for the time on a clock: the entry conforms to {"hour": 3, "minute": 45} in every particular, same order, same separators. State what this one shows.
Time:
{"hour": 7, "minute": 49}
